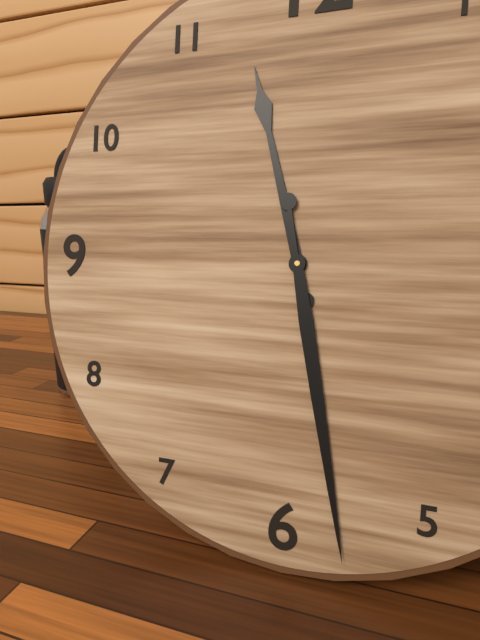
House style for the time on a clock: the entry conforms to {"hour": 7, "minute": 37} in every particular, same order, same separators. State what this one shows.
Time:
{"hour": 11, "minute": 28}
